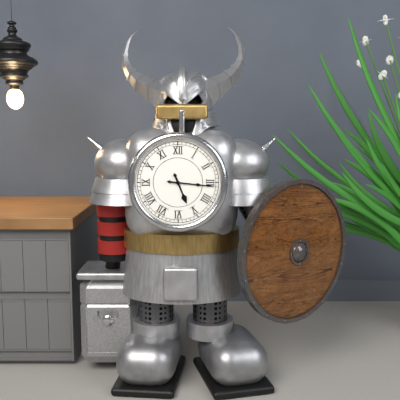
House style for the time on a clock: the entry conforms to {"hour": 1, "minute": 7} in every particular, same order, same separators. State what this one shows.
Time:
{"hour": 5, "minute": 16}
